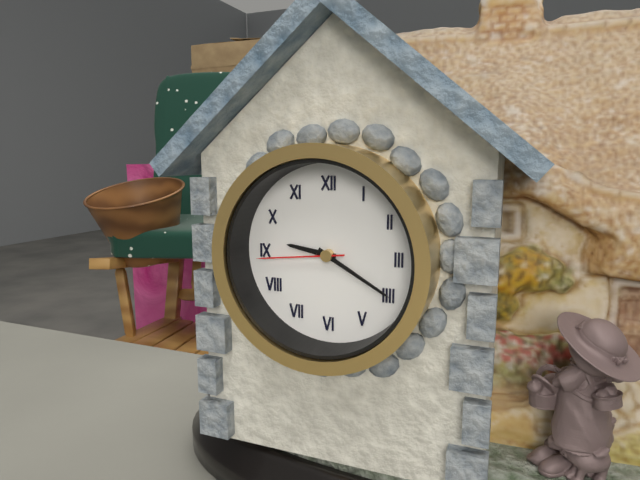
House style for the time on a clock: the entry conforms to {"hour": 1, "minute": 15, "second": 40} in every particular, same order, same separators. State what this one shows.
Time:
{"hour": 9, "minute": 20, "second": 44}
